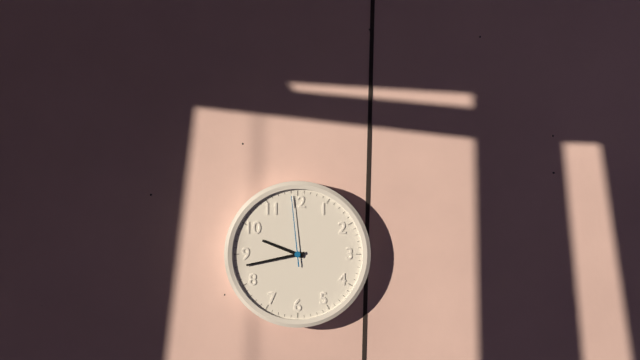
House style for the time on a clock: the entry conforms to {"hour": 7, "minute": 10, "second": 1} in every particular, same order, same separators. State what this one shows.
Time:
{"hour": 9, "minute": 43, "second": 59}
